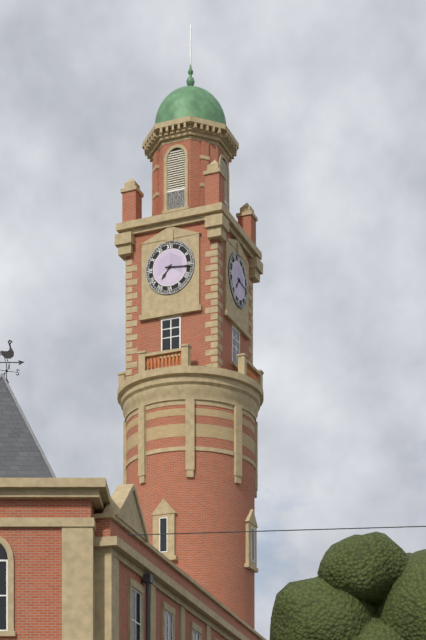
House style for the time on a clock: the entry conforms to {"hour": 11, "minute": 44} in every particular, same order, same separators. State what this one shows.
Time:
{"hour": 7, "minute": 16}
